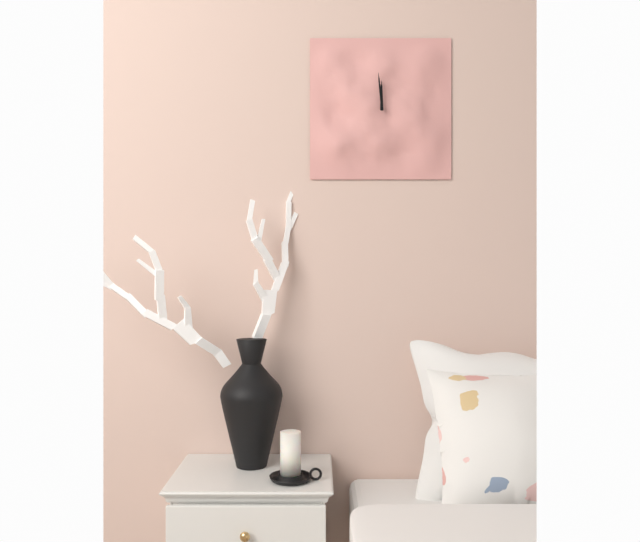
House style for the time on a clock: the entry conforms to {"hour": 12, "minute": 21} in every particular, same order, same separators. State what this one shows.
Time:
{"hour": 11, "minute": 59}
